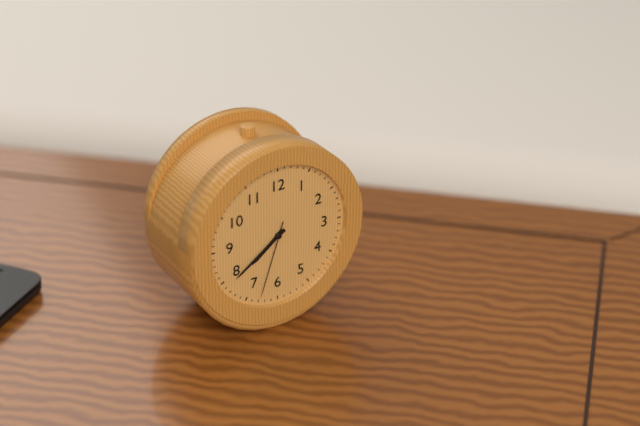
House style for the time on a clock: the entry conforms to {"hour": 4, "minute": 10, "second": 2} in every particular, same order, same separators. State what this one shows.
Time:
{"hour": 7, "minute": 39, "second": 33}
